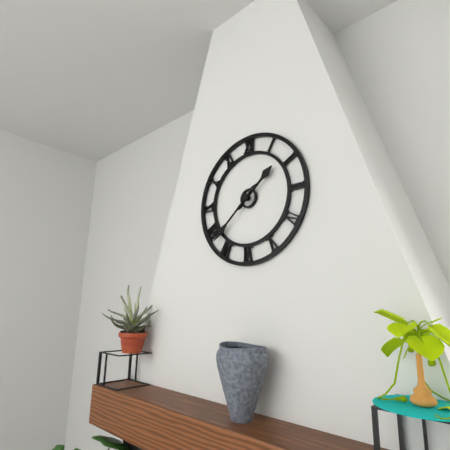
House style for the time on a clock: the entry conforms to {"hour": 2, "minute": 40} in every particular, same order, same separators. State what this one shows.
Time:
{"hour": 1, "minute": 38}
